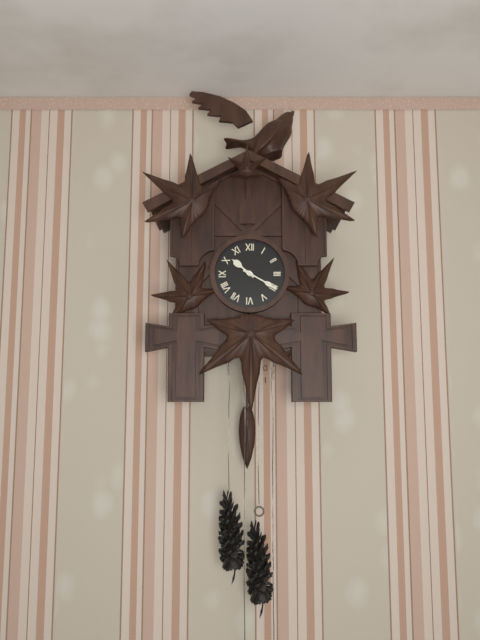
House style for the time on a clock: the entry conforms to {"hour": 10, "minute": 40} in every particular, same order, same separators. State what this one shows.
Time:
{"hour": 10, "minute": 20}
